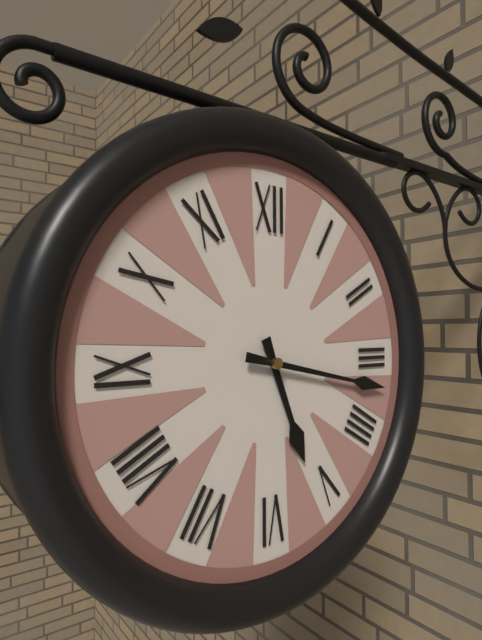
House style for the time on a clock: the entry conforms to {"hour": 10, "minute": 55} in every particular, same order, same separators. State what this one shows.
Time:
{"hour": 5, "minute": 17}
